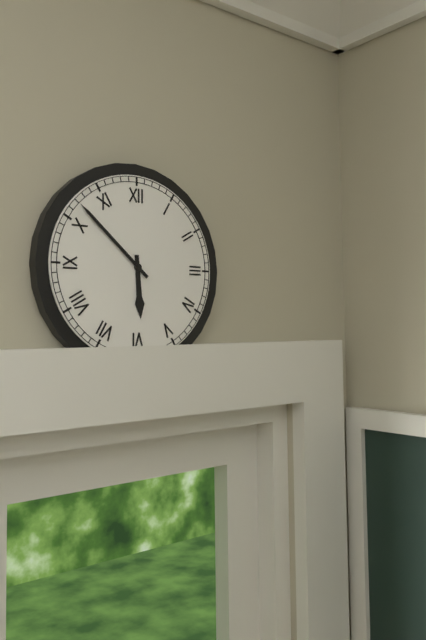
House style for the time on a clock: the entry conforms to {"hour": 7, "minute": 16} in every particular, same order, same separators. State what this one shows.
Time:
{"hour": 5, "minute": 52}
